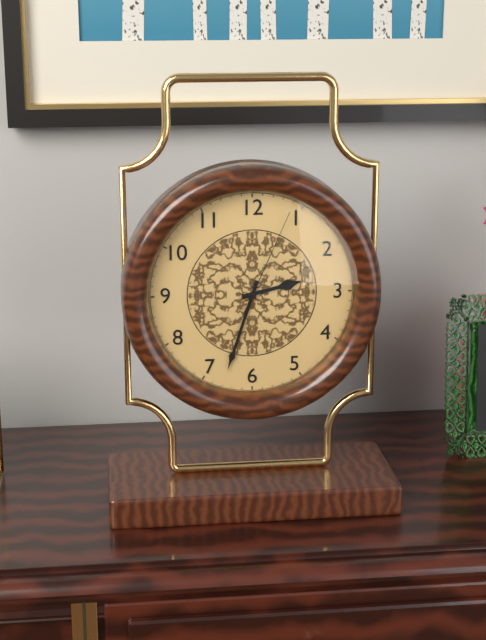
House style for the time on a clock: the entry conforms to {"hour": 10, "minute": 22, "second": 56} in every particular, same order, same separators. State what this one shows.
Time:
{"hour": 2, "minute": 33, "second": 4}
